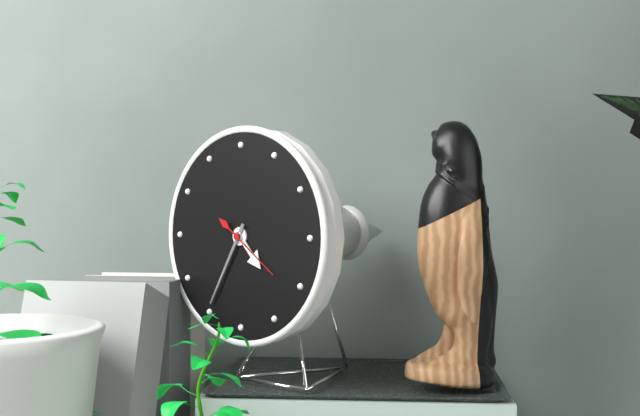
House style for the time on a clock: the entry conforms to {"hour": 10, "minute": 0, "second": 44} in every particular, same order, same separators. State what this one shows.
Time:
{"hour": 4, "minute": 35, "second": 21}
